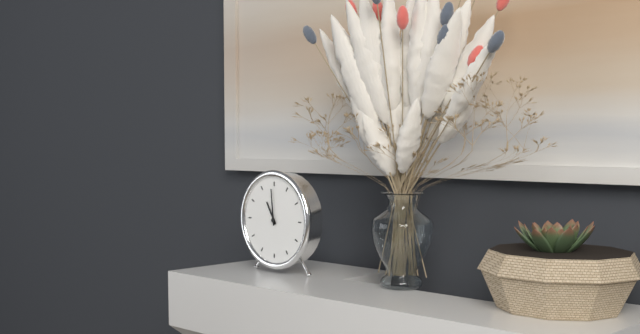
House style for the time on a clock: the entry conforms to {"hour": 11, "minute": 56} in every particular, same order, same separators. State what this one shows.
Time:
{"hour": 10, "minute": 59}
